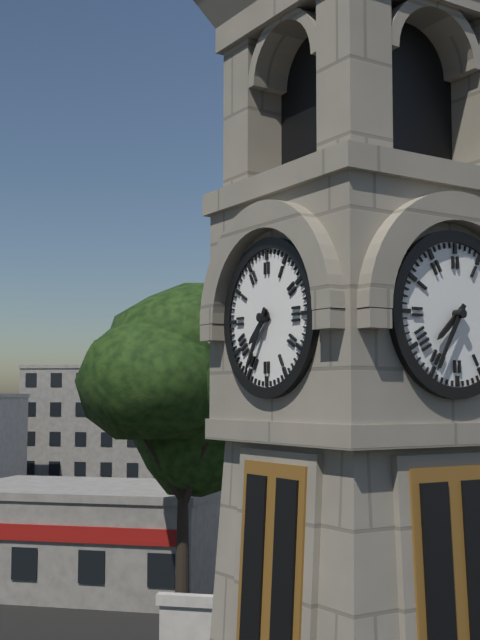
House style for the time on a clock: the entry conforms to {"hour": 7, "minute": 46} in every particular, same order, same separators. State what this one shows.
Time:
{"hour": 7, "minute": 35}
